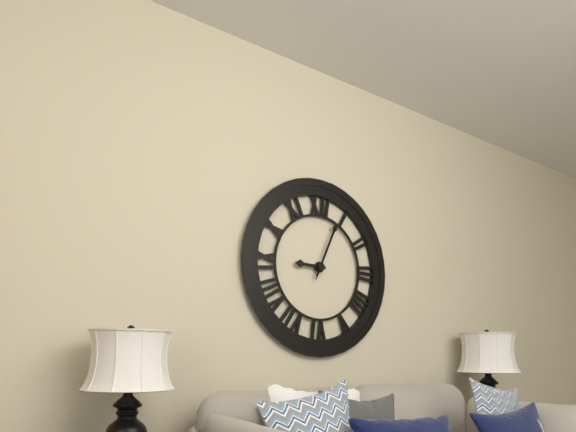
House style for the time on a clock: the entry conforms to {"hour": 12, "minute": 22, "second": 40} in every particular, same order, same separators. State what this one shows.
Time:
{"hour": 9, "minute": 4, "second": 4}
